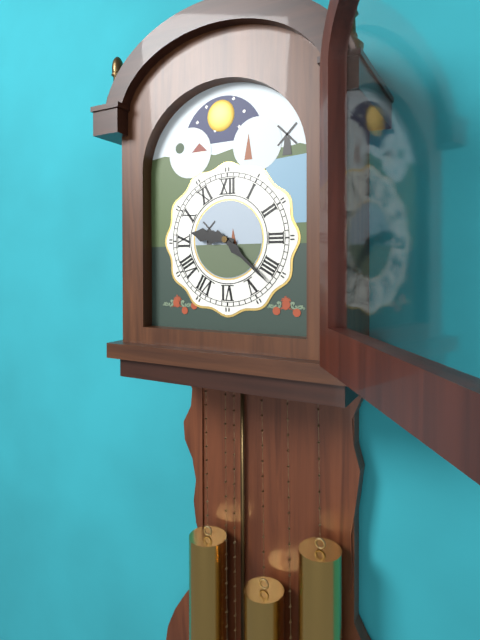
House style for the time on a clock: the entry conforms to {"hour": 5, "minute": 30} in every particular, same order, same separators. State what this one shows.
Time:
{"hour": 9, "minute": 22}
